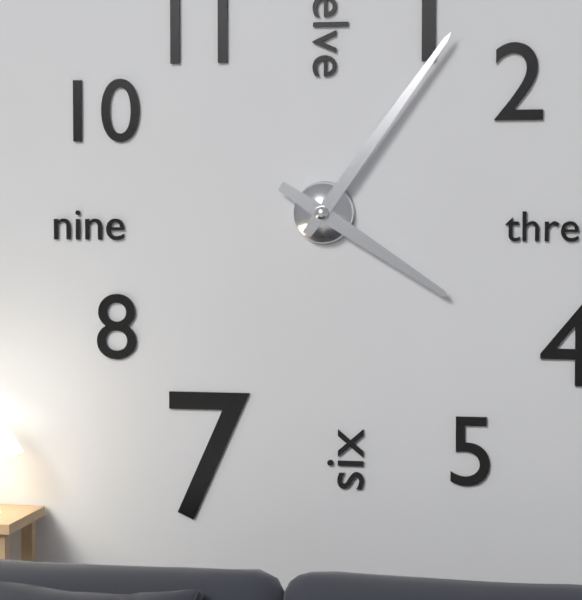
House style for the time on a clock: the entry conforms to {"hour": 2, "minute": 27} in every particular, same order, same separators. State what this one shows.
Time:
{"hour": 4, "minute": 6}
